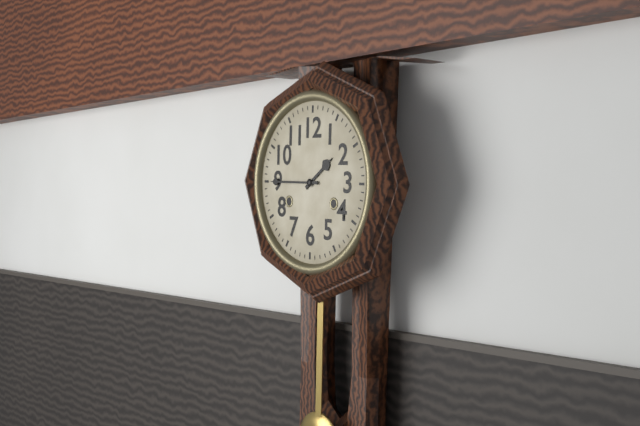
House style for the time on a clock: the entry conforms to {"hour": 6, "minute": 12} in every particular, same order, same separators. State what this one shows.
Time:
{"hour": 1, "minute": 45}
